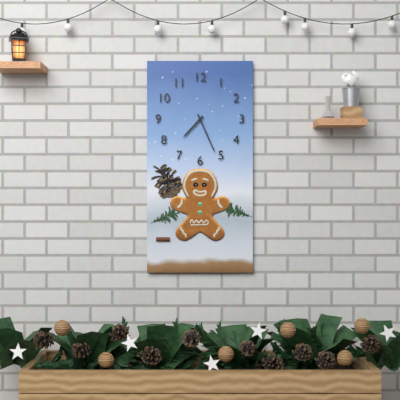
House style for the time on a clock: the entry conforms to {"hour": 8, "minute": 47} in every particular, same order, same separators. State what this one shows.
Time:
{"hour": 7, "minute": 26}
